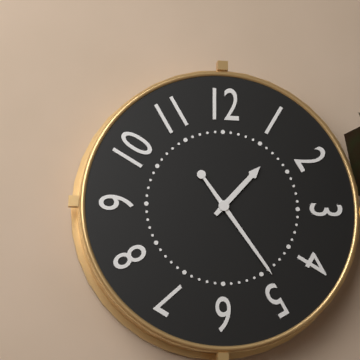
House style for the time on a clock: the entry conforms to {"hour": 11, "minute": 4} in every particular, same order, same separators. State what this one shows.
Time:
{"hour": 1, "minute": 24}
